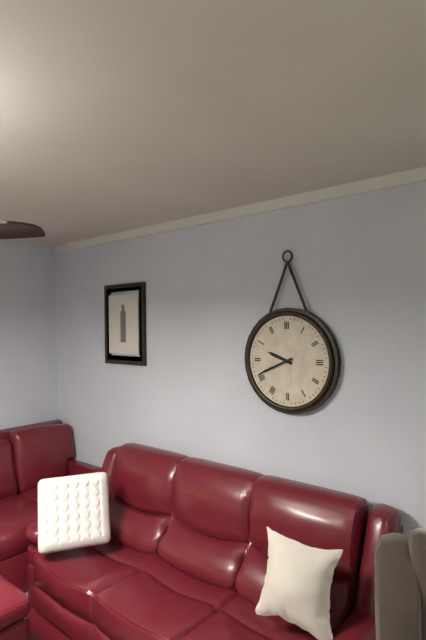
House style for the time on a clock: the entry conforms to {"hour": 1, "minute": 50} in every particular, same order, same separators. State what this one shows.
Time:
{"hour": 9, "minute": 41}
